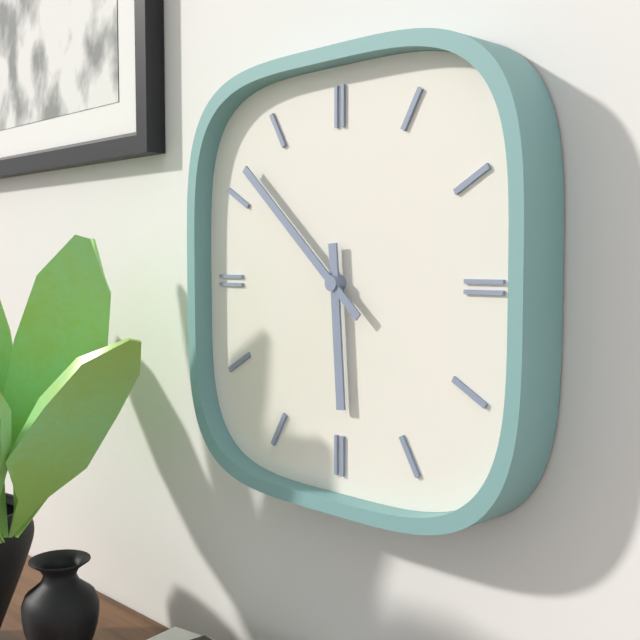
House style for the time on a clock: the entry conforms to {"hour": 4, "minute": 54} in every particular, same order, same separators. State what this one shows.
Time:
{"hour": 5, "minute": 52}
